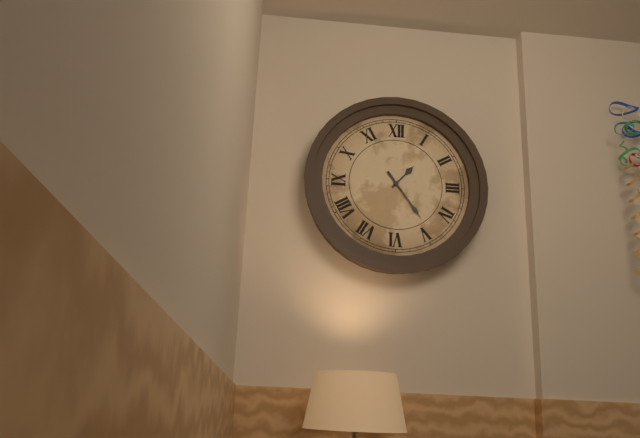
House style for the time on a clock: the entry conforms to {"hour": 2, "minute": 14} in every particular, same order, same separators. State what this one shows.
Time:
{"hour": 1, "minute": 24}
